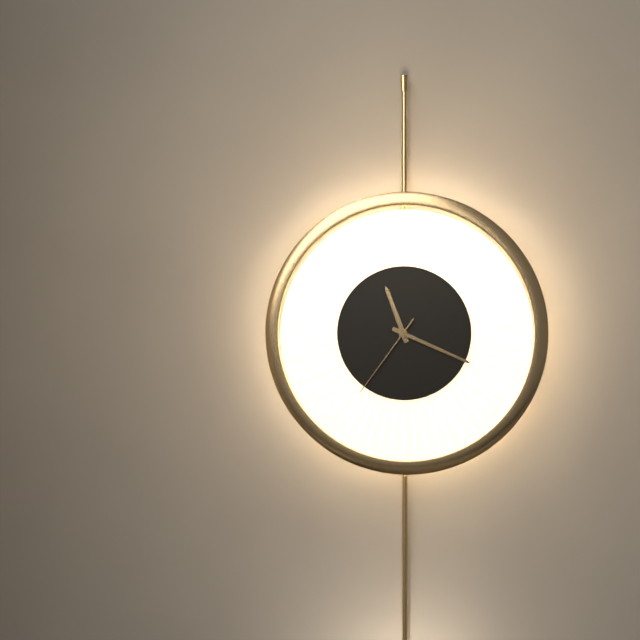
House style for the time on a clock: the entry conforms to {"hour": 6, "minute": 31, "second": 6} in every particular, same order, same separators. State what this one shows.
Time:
{"hour": 11, "minute": 19, "second": 36}
